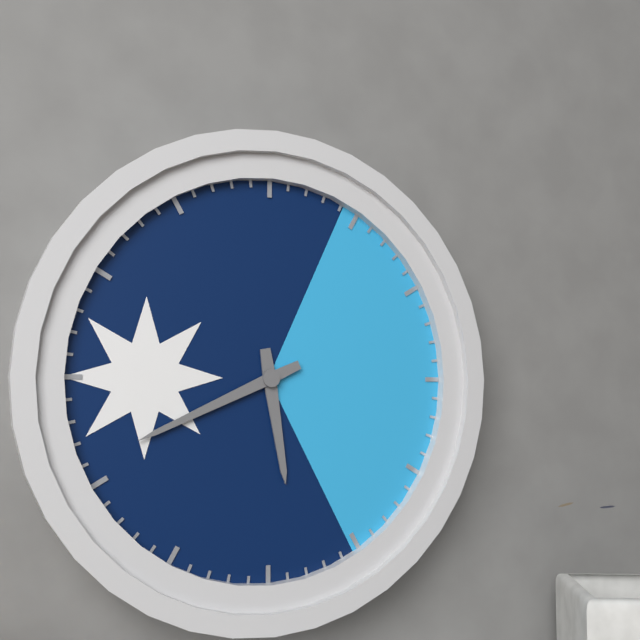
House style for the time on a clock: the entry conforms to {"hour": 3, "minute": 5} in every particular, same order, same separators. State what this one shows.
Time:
{"hour": 5, "minute": 41}
